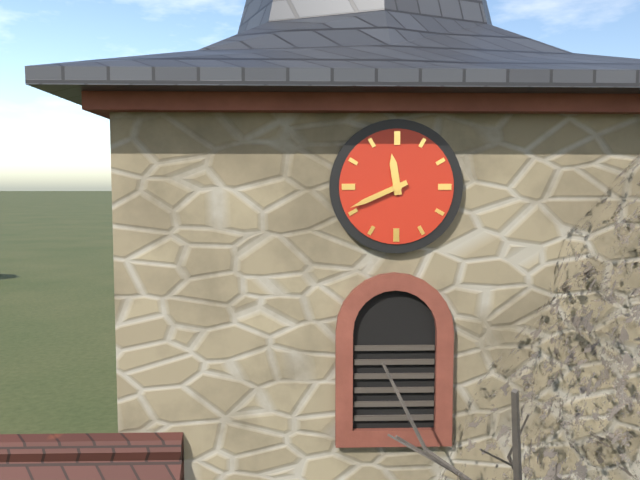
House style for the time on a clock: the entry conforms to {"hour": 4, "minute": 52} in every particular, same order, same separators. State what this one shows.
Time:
{"hour": 11, "minute": 41}
